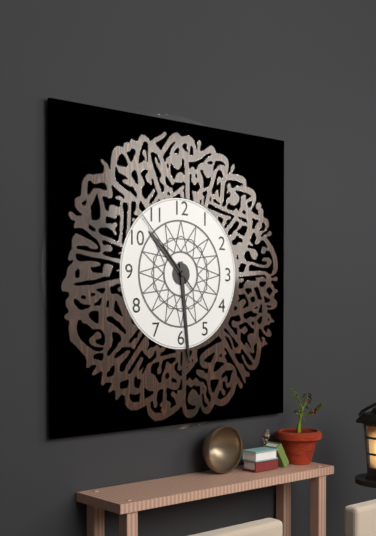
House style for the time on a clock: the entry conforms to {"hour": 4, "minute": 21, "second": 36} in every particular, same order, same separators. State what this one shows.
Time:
{"hour": 10, "minute": 29, "second": 53}
